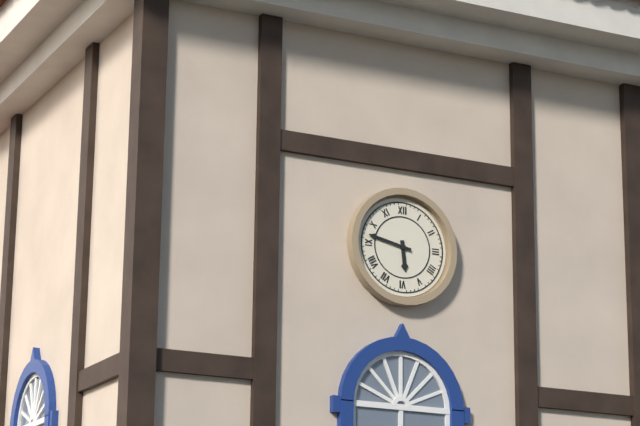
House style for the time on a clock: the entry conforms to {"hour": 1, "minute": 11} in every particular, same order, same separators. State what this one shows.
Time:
{"hour": 5, "minute": 47}
